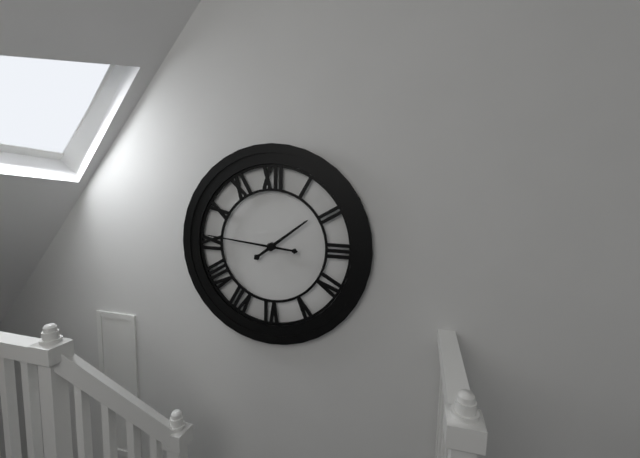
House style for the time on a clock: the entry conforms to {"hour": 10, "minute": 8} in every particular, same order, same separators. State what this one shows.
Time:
{"hour": 1, "minute": 46}
